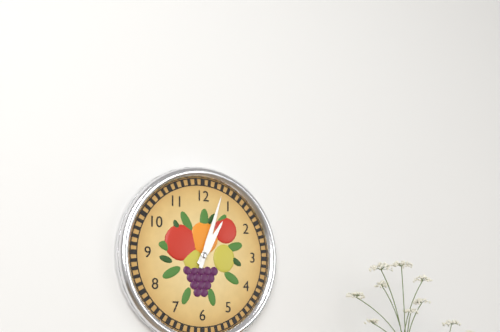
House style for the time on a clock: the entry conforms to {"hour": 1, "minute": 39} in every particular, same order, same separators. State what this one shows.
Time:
{"hour": 1, "minute": 3}
